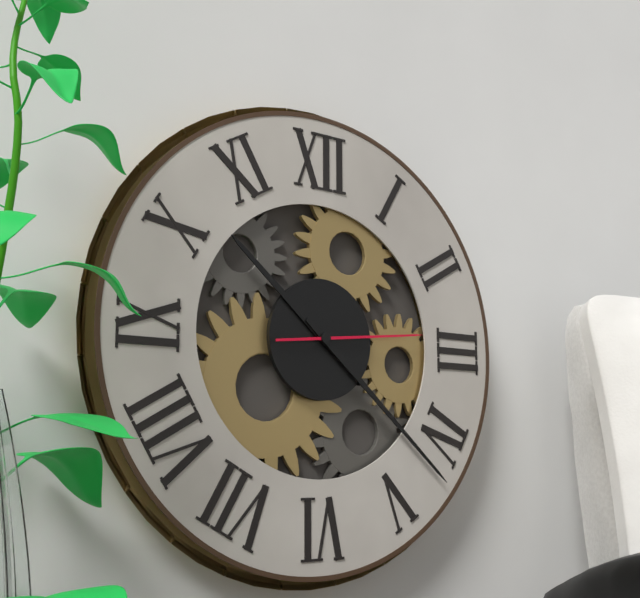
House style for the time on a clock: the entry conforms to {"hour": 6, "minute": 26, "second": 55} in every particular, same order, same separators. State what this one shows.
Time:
{"hour": 10, "minute": 22, "second": 14}
